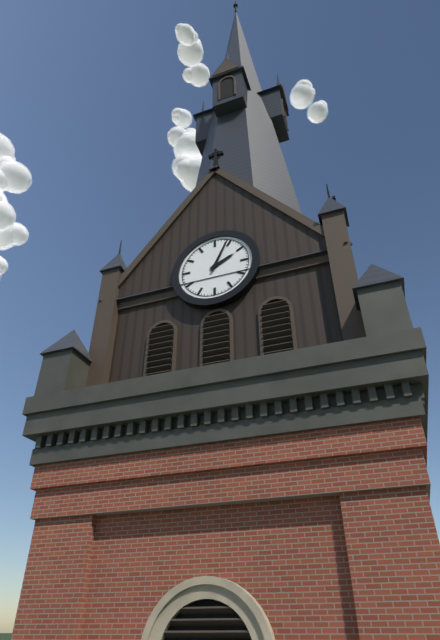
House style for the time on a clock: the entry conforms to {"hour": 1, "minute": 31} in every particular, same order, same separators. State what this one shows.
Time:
{"hour": 2, "minute": 4}
